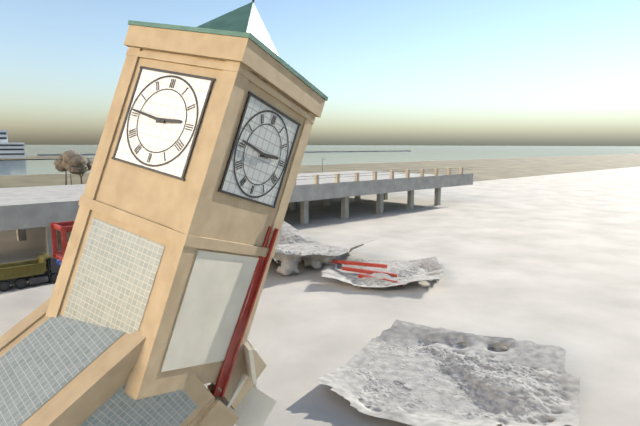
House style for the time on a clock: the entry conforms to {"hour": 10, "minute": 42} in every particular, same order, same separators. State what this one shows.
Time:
{"hour": 2, "minute": 46}
